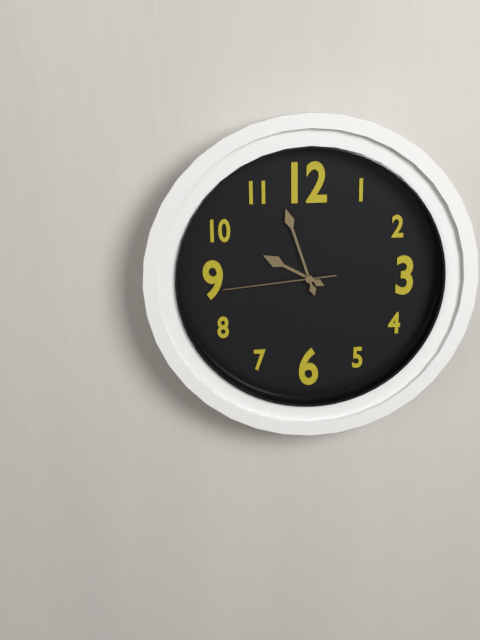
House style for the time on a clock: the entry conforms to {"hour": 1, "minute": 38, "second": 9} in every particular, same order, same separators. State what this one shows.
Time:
{"hour": 9, "minute": 57, "second": 44}
